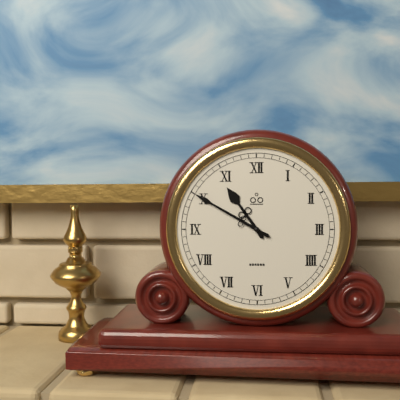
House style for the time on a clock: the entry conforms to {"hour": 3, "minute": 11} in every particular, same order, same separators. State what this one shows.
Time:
{"hour": 10, "minute": 50}
